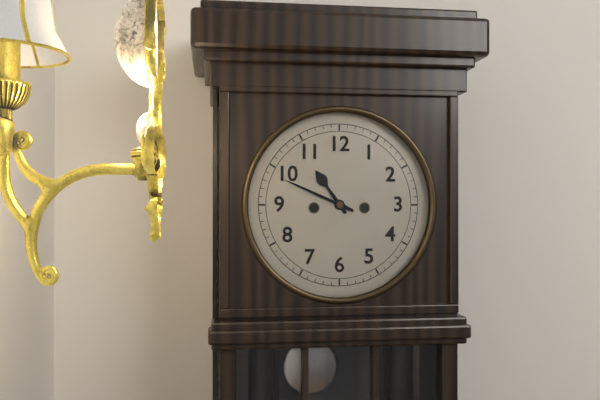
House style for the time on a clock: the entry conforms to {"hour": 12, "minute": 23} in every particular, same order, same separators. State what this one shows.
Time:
{"hour": 10, "minute": 49}
